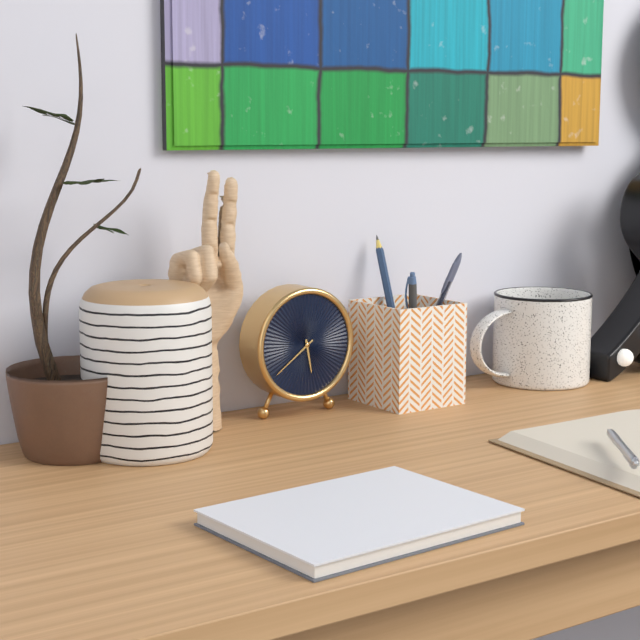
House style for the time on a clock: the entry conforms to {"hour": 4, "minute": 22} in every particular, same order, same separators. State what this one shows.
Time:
{"hour": 5, "minute": 39}
